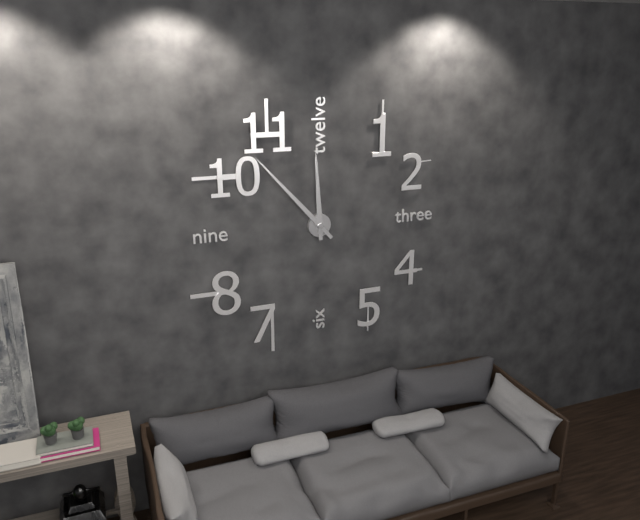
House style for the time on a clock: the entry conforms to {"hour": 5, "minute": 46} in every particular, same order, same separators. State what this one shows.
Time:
{"hour": 11, "minute": 53}
